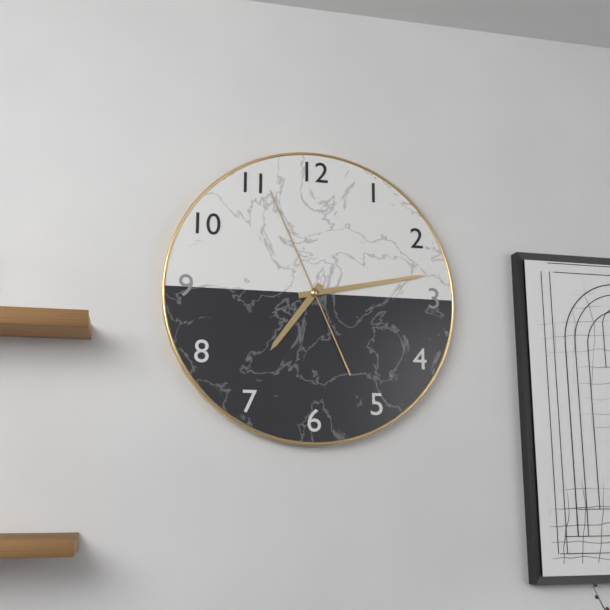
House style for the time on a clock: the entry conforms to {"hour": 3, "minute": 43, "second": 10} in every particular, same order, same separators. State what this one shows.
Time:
{"hour": 7, "minute": 13, "second": 56}
